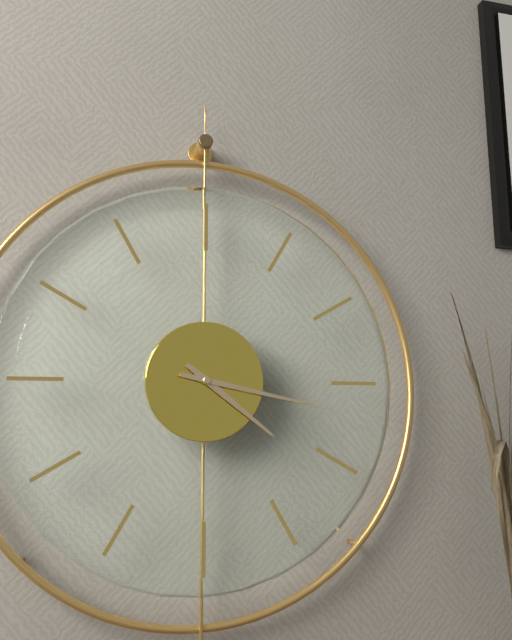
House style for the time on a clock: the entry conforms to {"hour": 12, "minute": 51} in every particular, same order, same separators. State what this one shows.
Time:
{"hour": 4, "minute": 17}
